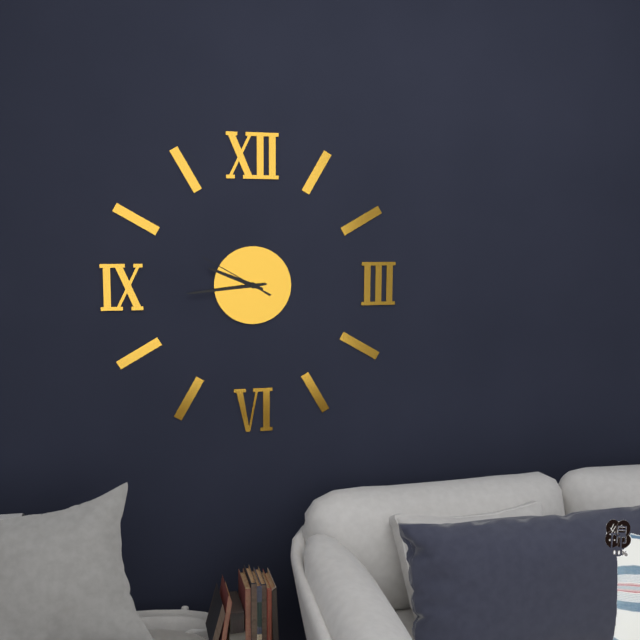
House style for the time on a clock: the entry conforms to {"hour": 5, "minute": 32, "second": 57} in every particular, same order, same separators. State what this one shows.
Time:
{"hour": 9, "minute": 44, "second": 50}
